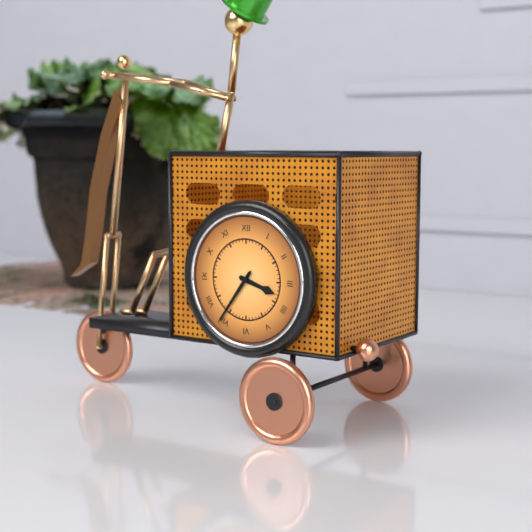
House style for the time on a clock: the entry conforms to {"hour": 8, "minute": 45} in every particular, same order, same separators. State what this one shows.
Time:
{"hour": 3, "minute": 36}
